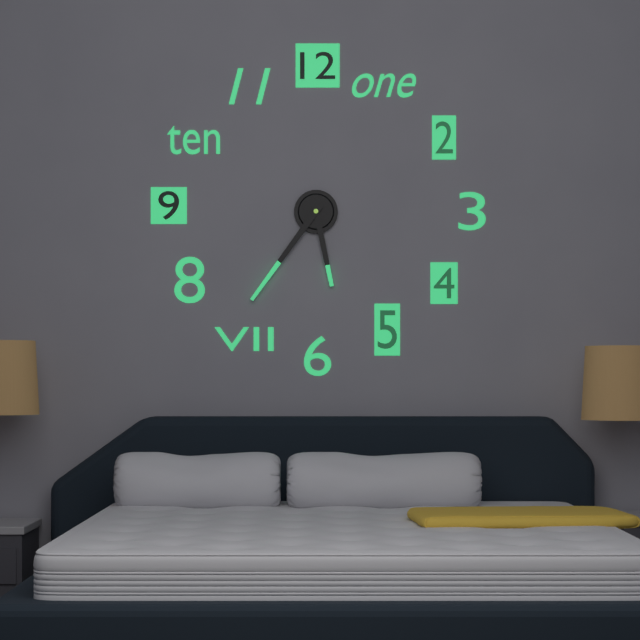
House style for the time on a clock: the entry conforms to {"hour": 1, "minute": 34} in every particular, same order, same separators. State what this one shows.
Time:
{"hour": 5, "minute": 36}
